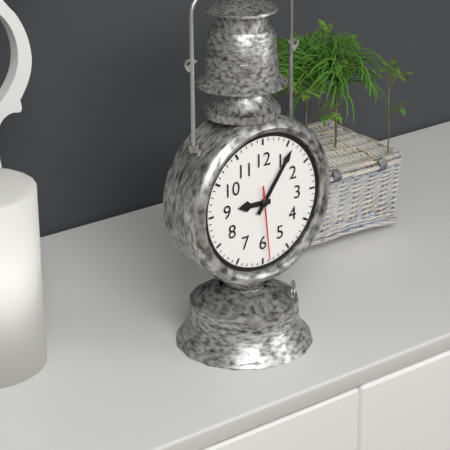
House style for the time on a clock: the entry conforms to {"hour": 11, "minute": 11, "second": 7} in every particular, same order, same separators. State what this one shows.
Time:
{"hour": 9, "minute": 6, "second": 29}
